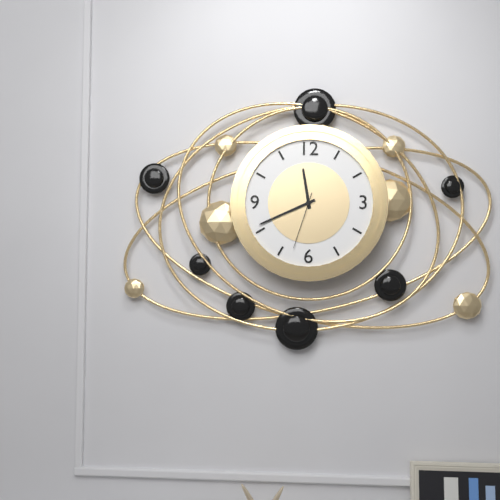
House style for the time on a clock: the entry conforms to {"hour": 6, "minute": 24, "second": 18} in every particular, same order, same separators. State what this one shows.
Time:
{"hour": 11, "minute": 41, "second": 33}
